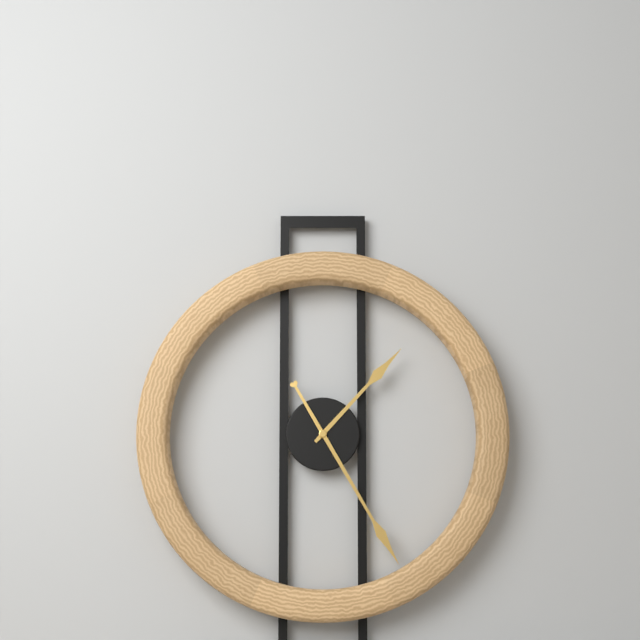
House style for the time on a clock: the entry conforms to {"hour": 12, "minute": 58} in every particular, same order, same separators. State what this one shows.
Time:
{"hour": 1, "minute": 25}
